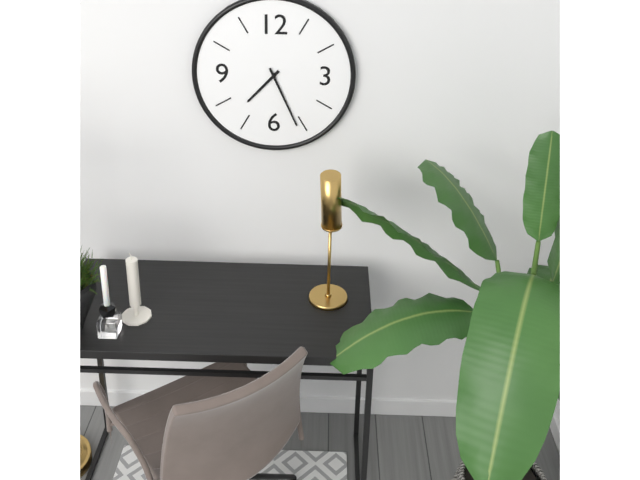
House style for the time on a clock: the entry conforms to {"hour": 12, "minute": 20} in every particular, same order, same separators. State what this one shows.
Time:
{"hour": 7, "minute": 26}
